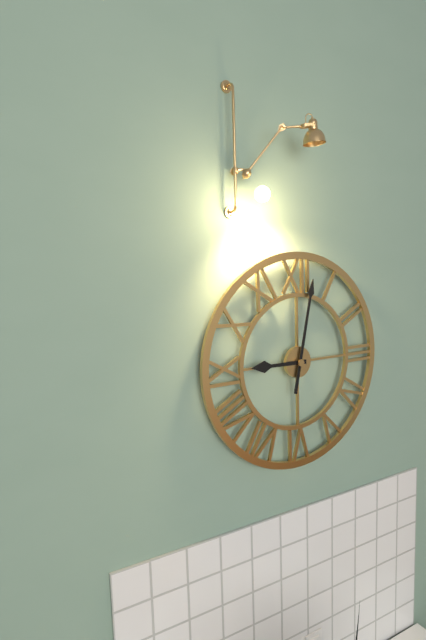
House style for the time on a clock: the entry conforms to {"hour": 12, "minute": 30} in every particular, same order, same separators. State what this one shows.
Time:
{"hour": 9, "minute": 2}
